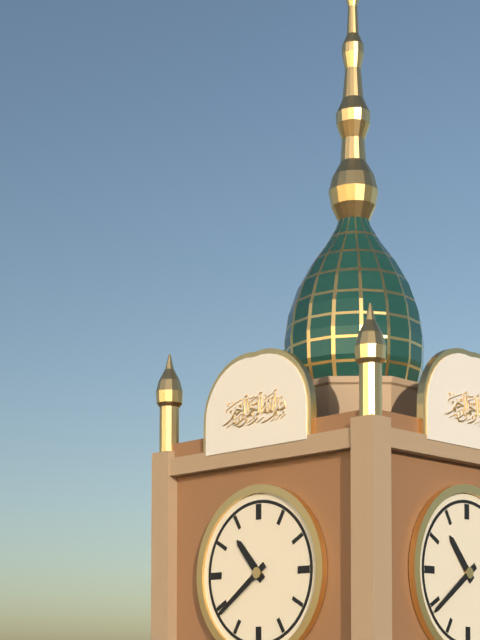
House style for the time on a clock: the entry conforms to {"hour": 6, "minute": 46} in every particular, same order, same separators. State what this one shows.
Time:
{"hour": 10, "minute": 39}
